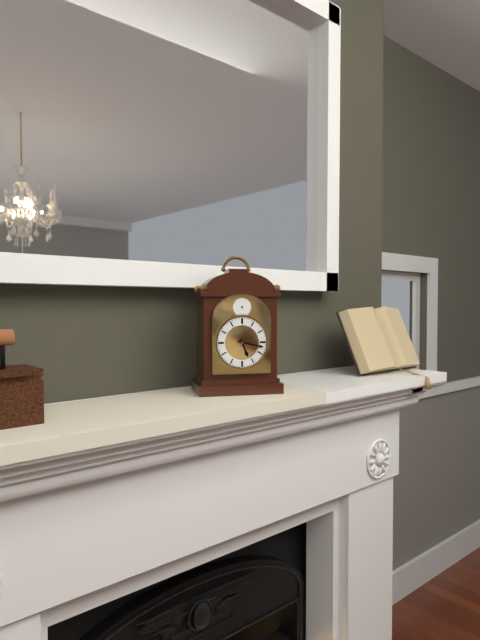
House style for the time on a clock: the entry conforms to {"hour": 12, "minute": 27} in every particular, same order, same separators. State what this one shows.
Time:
{"hour": 5, "minute": 17}
